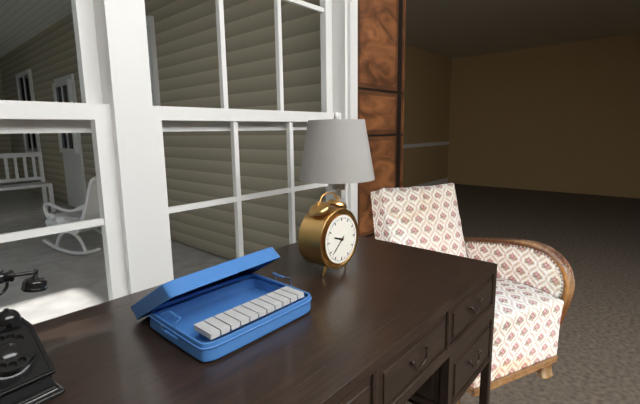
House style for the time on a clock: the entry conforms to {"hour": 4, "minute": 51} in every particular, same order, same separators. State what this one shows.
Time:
{"hour": 9, "minute": 38}
